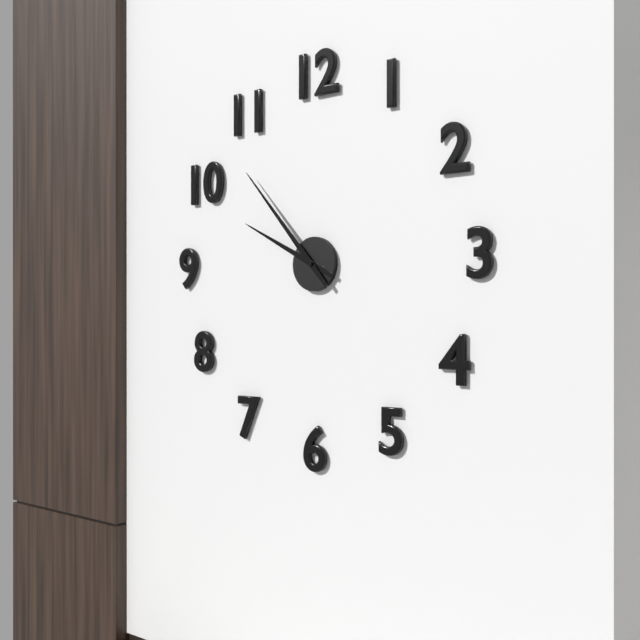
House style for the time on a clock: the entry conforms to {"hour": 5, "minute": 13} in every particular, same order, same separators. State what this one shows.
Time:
{"hour": 9, "minute": 53}
